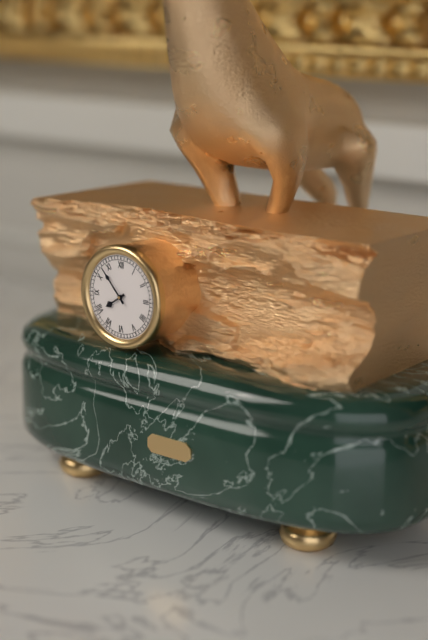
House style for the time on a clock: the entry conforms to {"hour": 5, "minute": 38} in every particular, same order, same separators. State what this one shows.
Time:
{"hour": 7, "minute": 53}
